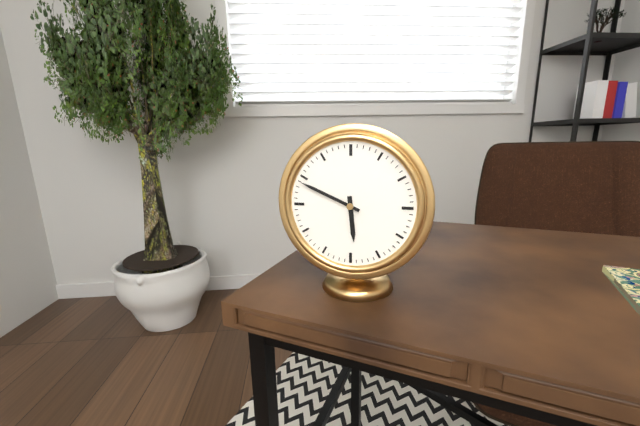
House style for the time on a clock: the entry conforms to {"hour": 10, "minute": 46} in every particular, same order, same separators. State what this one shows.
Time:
{"hour": 5, "minute": 49}
